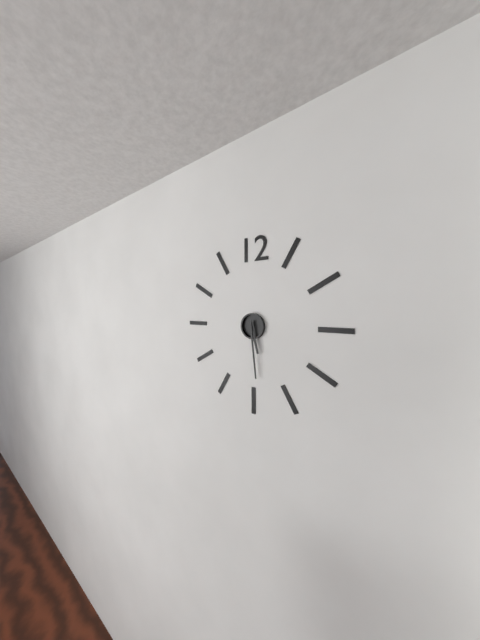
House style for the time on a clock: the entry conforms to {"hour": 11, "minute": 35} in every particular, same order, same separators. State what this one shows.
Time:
{"hour": 5, "minute": 29}
